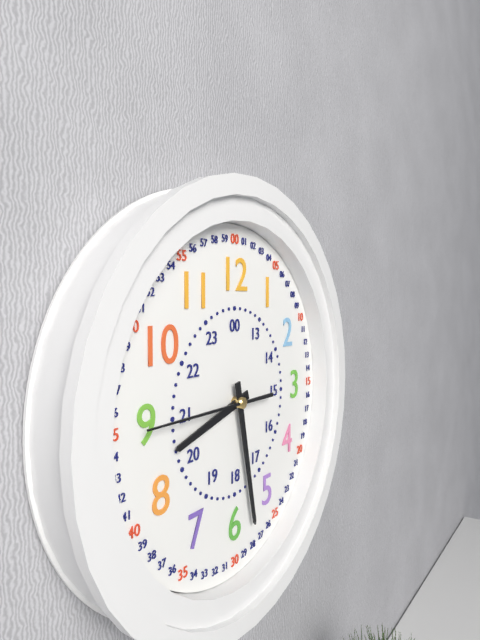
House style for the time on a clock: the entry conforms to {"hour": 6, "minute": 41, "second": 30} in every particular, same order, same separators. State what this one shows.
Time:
{"hour": 8, "minute": 28, "second": 45}
